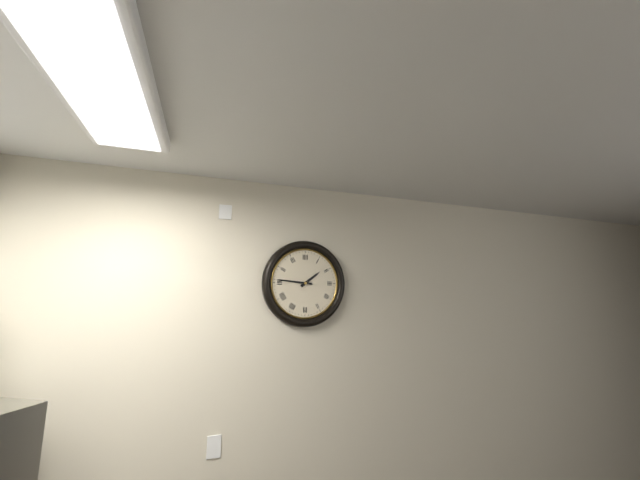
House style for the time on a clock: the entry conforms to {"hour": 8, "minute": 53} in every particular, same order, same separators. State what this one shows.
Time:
{"hour": 1, "minute": 46}
